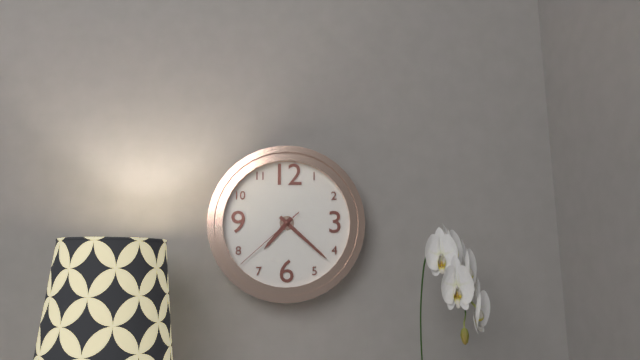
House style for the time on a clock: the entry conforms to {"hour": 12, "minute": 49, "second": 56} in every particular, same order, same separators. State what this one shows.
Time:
{"hour": 7, "minute": 22, "second": 38}
